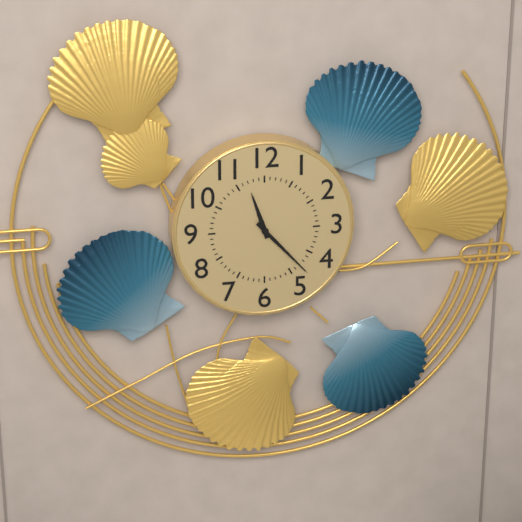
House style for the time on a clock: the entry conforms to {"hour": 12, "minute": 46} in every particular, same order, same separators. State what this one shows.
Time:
{"hour": 11, "minute": 23}
